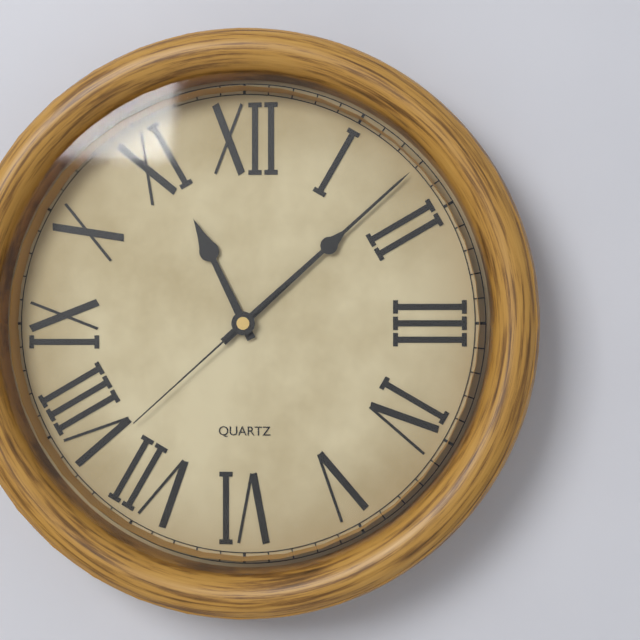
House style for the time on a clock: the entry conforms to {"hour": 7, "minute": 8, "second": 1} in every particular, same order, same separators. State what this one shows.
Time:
{"hour": 11, "minute": 8, "second": 38}
